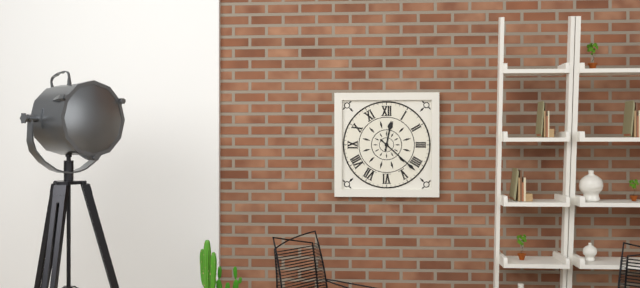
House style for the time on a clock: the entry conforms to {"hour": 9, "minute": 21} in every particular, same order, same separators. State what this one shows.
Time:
{"hour": 12, "minute": 22}
